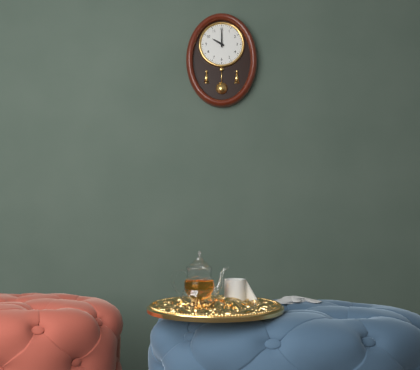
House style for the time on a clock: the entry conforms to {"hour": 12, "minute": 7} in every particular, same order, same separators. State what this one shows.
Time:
{"hour": 10, "minute": 0}
